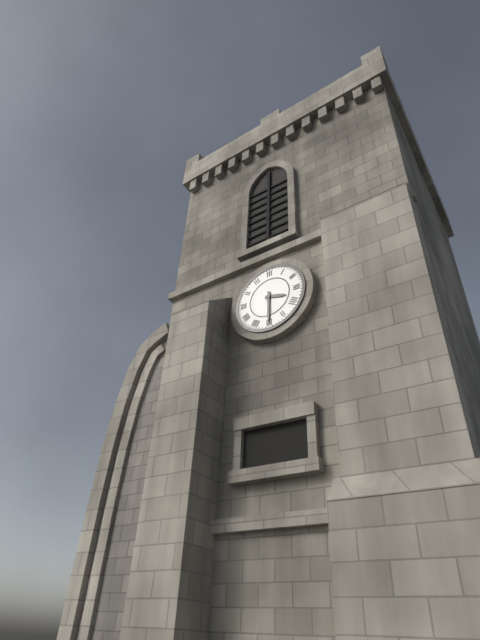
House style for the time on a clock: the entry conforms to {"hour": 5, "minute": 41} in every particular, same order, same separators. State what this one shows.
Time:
{"hour": 3, "minute": 30}
